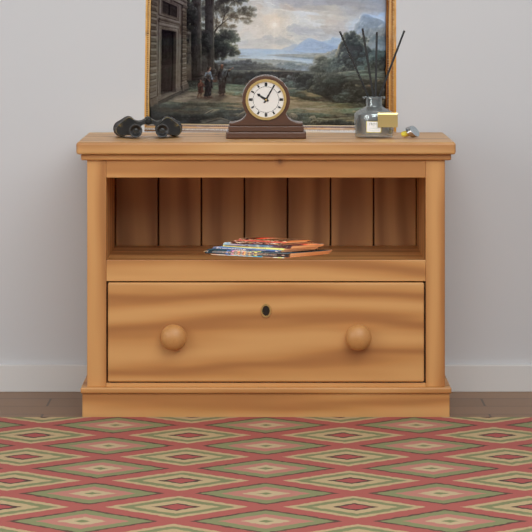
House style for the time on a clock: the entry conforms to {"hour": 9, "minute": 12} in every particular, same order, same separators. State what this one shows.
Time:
{"hour": 10, "minute": 5}
